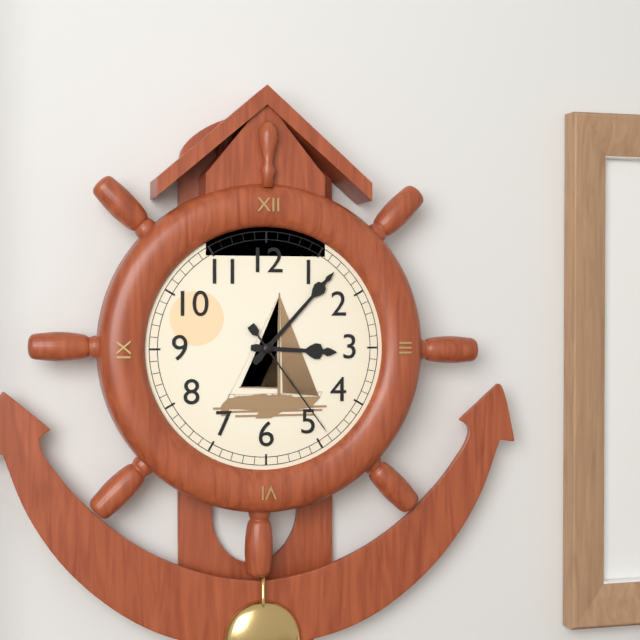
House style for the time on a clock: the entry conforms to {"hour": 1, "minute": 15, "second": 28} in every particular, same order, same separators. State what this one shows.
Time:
{"hour": 3, "minute": 7, "second": 24}
